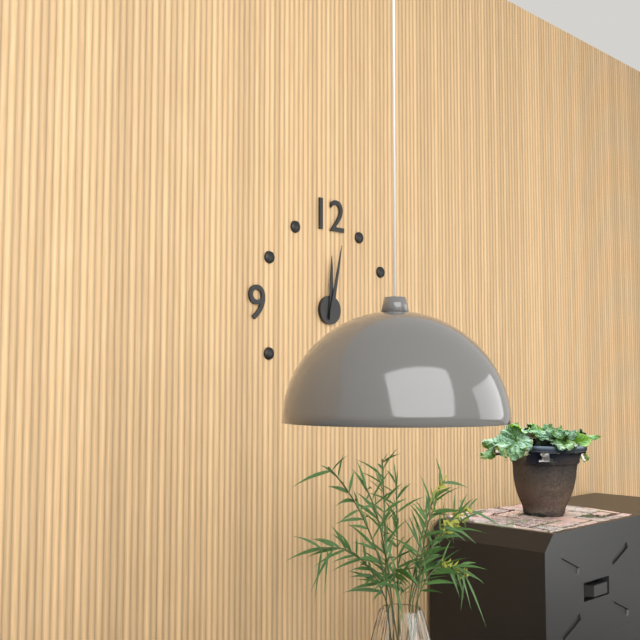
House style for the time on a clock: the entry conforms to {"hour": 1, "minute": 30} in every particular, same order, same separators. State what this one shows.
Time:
{"hour": 12, "minute": 2}
